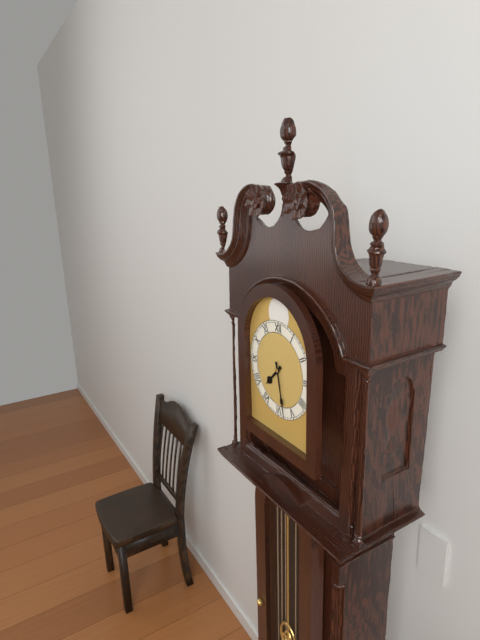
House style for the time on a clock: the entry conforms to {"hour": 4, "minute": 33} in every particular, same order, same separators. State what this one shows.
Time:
{"hour": 7, "minute": 28}
